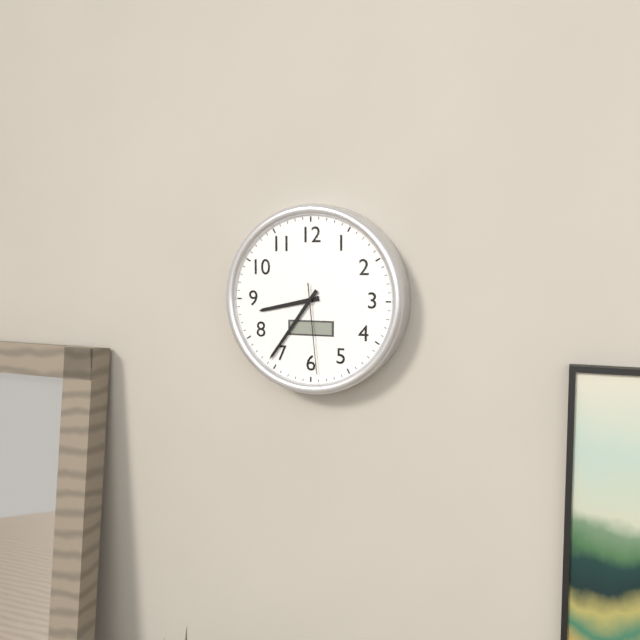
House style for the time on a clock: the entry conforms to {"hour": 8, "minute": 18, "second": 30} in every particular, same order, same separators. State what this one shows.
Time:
{"hour": 8, "minute": 36, "second": 29}
